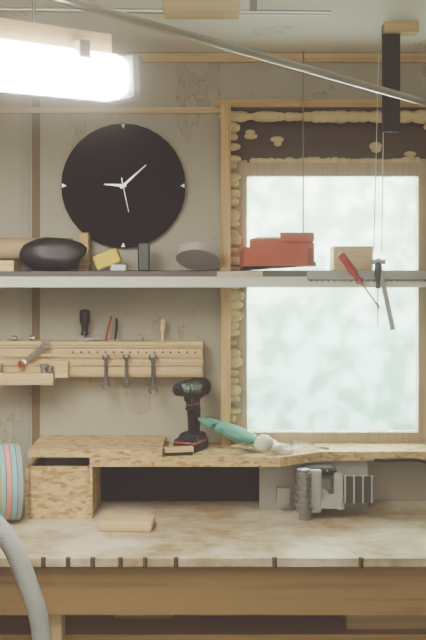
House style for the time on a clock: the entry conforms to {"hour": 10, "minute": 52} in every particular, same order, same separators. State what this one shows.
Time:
{"hour": 9, "minute": 8}
